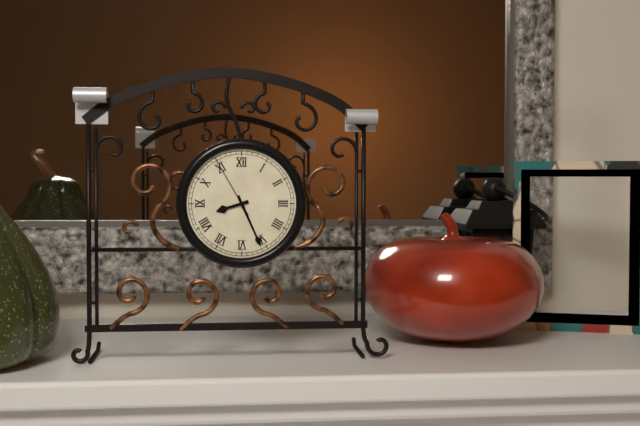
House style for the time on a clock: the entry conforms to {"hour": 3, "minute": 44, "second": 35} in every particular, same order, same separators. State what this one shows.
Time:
{"hour": 8, "minute": 26, "second": 55}
